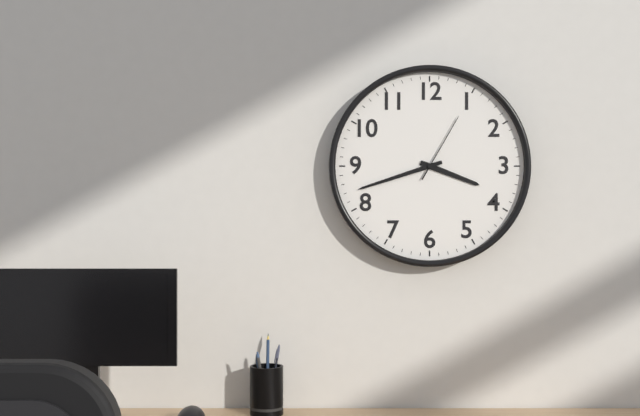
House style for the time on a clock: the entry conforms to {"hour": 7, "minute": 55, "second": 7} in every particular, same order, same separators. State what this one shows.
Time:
{"hour": 3, "minute": 42, "second": 5}
